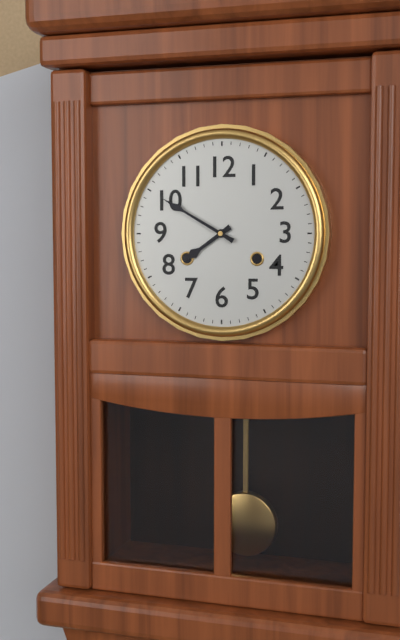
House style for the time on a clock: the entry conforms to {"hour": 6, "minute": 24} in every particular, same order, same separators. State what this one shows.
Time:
{"hour": 7, "minute": 50}
